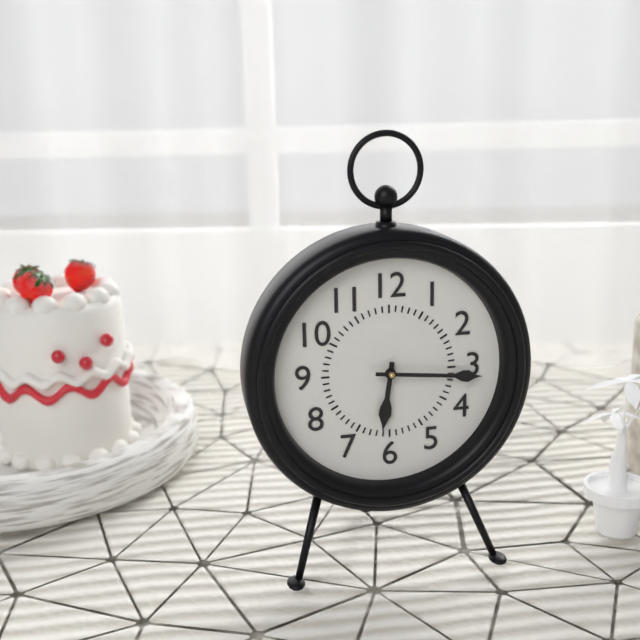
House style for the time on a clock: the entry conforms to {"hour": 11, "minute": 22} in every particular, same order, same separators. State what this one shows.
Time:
{"hour": 6, "minute": 16}
